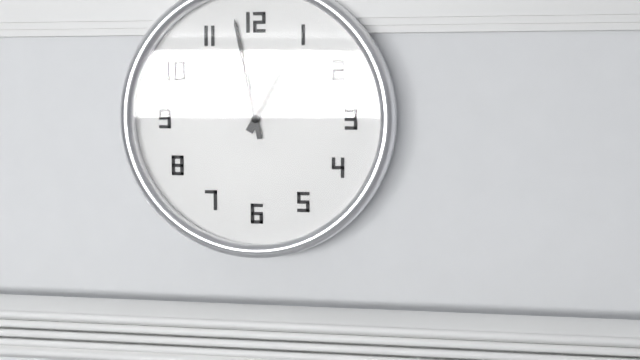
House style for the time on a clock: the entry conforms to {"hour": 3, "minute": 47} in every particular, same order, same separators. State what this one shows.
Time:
{"hour": 12, "minute": 58}
